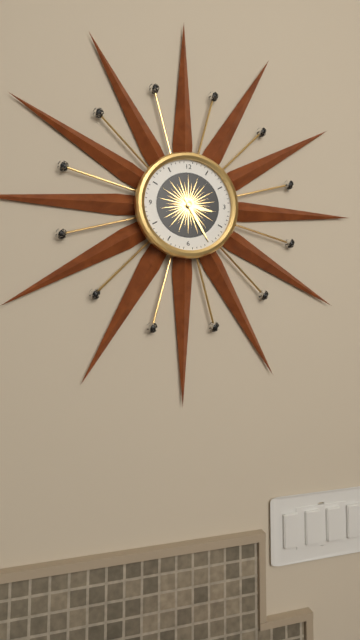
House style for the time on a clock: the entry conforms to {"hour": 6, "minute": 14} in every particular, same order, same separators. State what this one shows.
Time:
{"hour": 3, "minute": 25}
